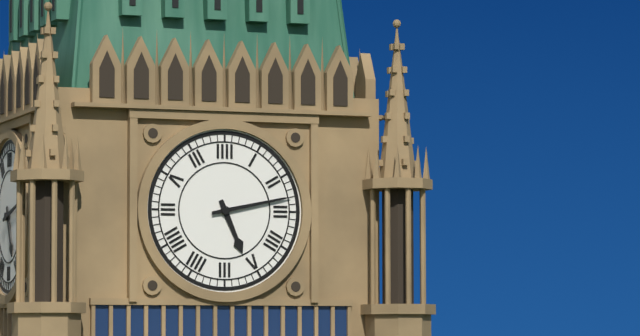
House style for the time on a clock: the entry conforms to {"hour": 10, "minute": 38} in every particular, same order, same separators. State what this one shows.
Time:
{"hour": 5, "minute": 13}
